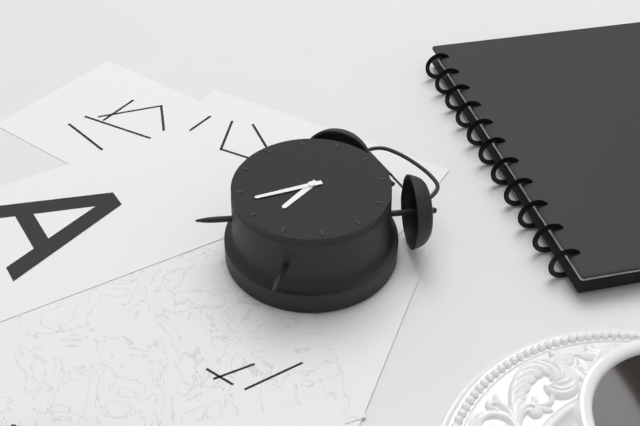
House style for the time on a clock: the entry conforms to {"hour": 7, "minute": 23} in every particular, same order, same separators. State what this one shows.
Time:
{"hour": 5, "minute": 33}
